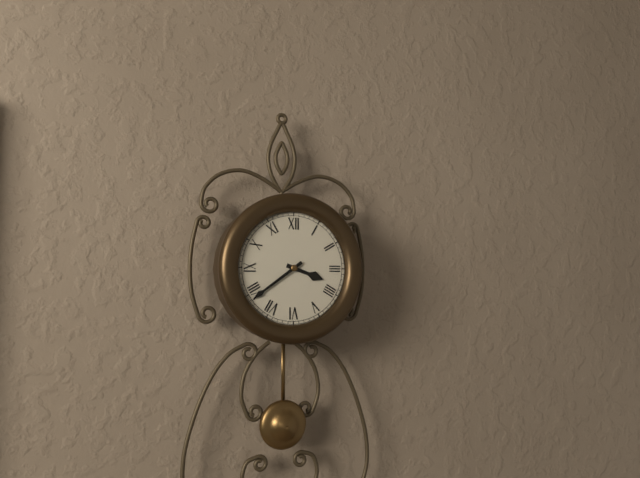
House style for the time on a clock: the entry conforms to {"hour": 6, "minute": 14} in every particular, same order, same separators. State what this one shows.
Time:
{"hour": 3, "minute": 39}
